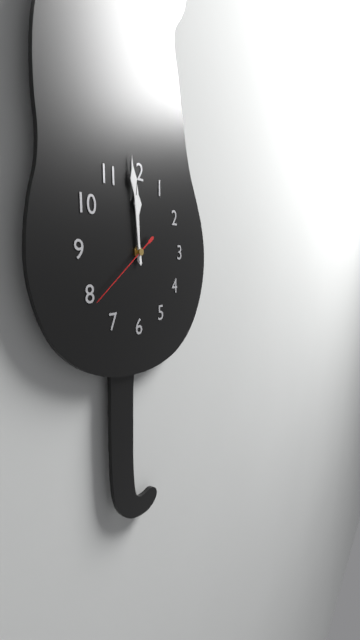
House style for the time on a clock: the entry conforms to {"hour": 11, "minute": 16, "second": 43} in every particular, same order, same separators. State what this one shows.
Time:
{"hour": 11, "minute": 59, "second": 39}
